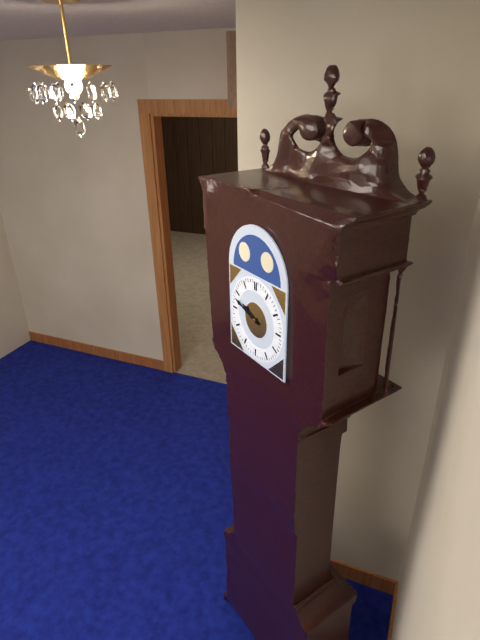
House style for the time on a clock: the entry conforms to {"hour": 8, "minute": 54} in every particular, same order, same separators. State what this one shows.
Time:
{"hour": 9, "minute": 48}
